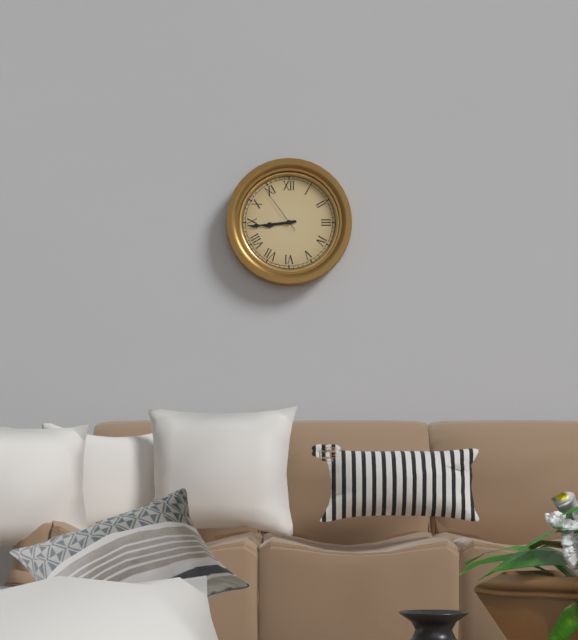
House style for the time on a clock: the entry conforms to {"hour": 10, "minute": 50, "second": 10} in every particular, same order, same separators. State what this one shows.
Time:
{"hour": 8, "minute": 44, "second": 54}
